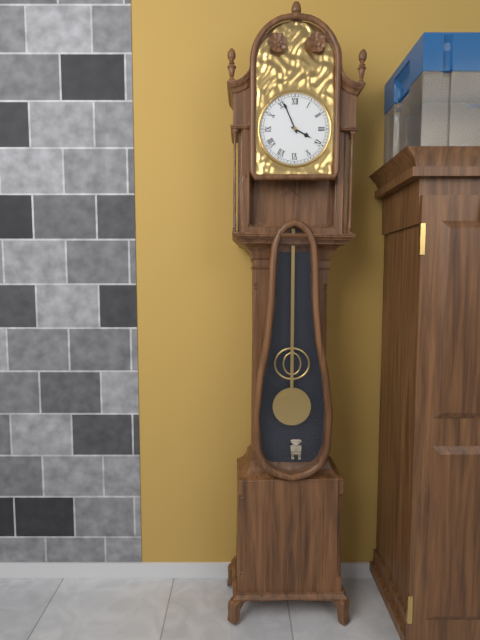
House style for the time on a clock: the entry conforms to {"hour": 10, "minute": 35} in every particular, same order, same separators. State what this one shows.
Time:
{"hour": 3, "minute": 56}
